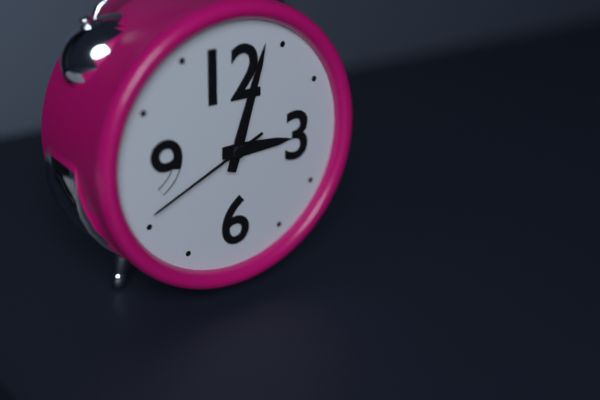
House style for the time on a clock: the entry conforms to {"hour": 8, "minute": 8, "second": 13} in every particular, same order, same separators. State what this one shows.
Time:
{"hour": 3, "minute": 3, "second": 41}
